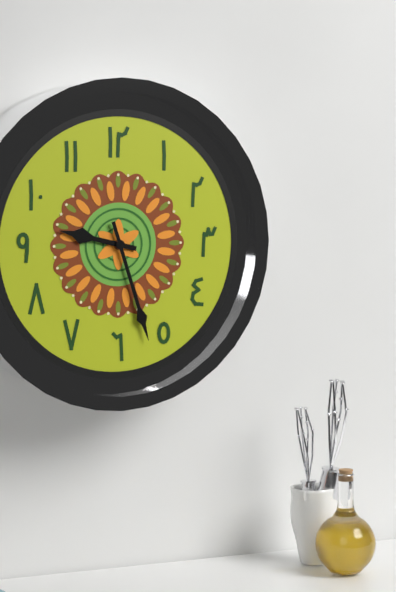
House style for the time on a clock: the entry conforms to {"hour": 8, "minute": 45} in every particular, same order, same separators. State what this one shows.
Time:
{"hour": 9, "minute": 27}
